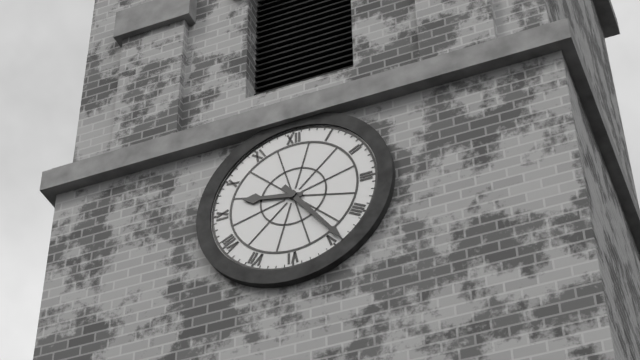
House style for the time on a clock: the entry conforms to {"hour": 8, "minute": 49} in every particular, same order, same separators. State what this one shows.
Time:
{"hour": 9, "minute": 24}
